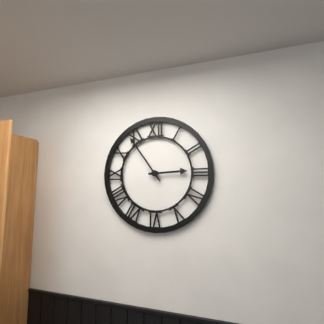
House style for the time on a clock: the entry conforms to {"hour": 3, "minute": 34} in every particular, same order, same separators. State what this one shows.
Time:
{"hour": 2, "minute": 54}
